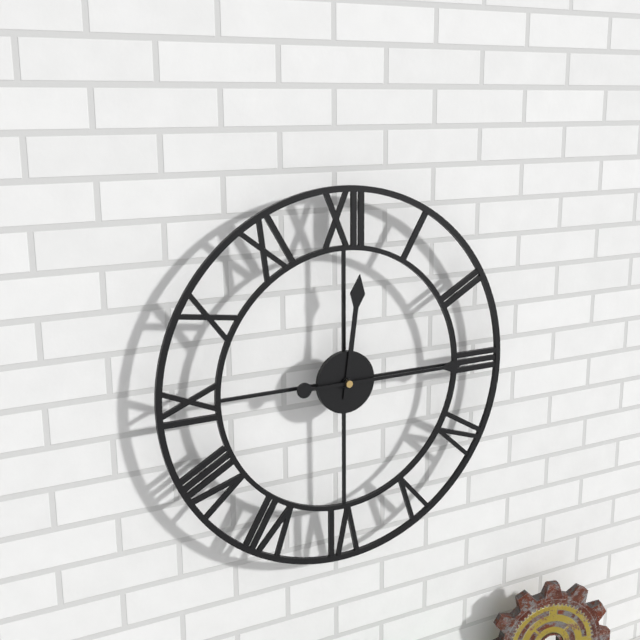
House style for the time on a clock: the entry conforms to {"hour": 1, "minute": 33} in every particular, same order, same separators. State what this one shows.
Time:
{"hour": 12, "minute": 15}
